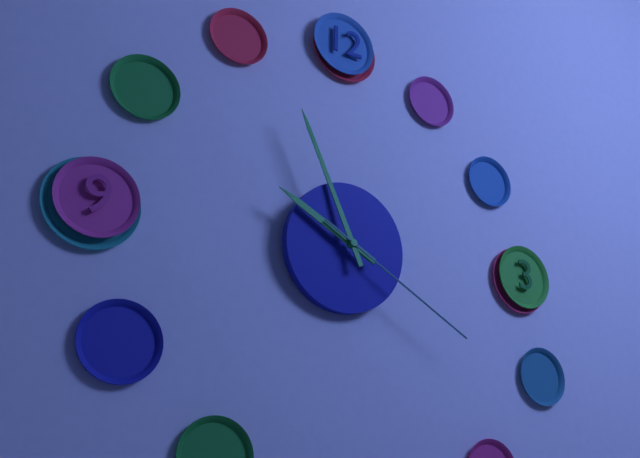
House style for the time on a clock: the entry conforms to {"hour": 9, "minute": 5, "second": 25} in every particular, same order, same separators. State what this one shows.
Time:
{"hour": 9, "minute": 56, "second": 20}
